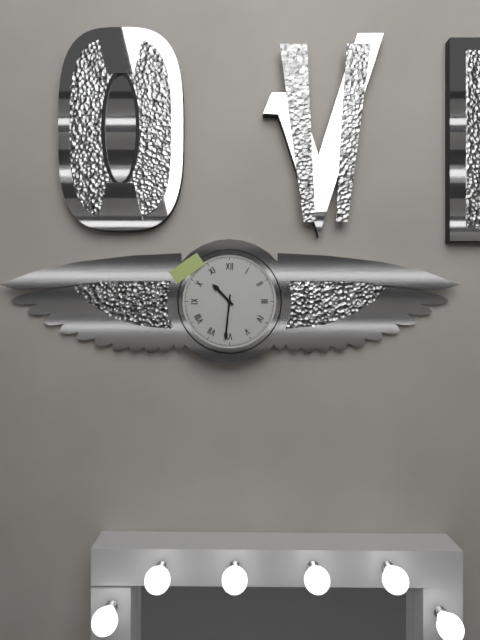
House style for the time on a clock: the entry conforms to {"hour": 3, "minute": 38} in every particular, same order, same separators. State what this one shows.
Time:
{"hour": 10, "minute": 31}
